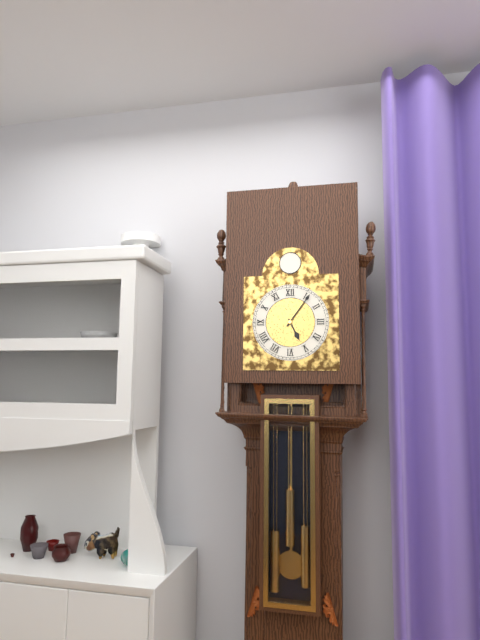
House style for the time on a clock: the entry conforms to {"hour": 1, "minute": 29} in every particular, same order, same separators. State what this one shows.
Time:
{"hour": 5, "minute": 6}
